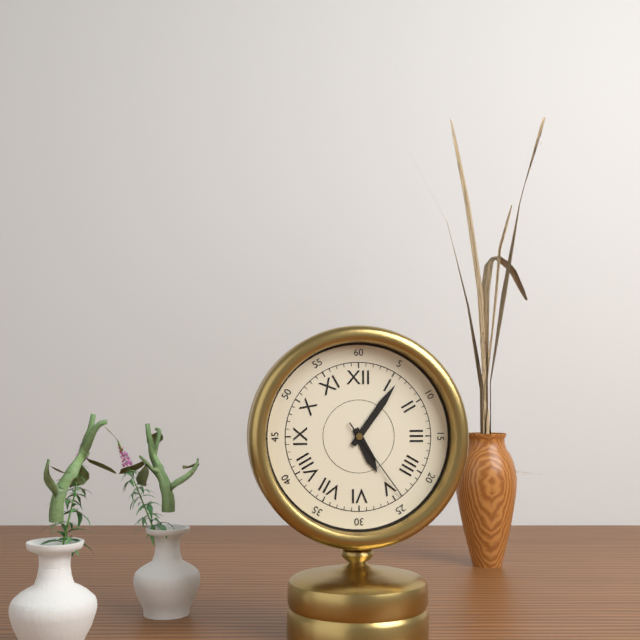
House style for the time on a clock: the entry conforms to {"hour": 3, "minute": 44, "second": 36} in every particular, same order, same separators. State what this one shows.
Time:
{"hour": 5, "minute": 6, "second": 24}
